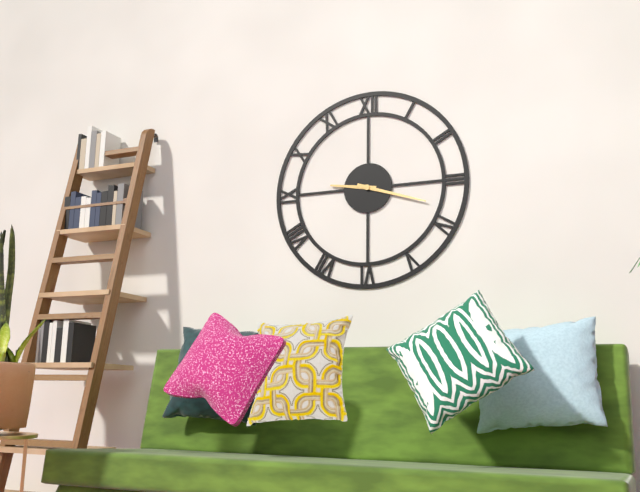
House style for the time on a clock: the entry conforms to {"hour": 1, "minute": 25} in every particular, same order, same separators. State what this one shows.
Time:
{"hour": 9, "minute": 18}
